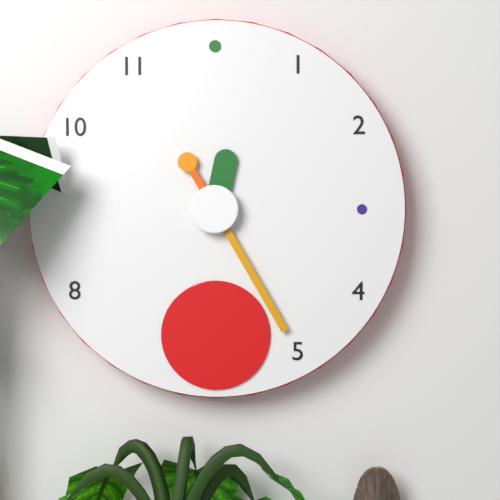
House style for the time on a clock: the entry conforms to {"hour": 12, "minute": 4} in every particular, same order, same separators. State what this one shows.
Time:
{"hour": 12, "minute": 25}
